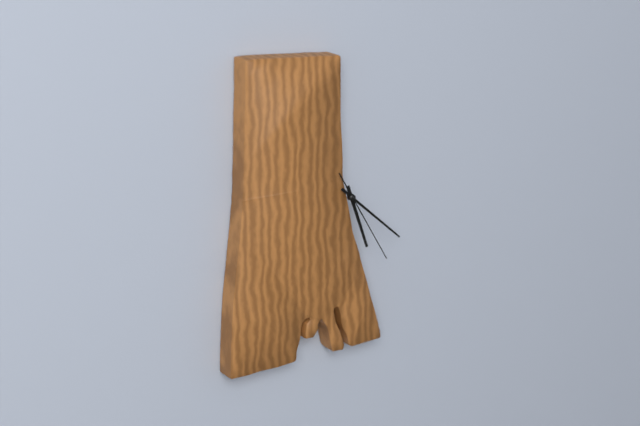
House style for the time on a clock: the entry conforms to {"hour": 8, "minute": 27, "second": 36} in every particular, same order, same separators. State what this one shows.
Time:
{"hour": 5, "minute": 22, "second": 25}
